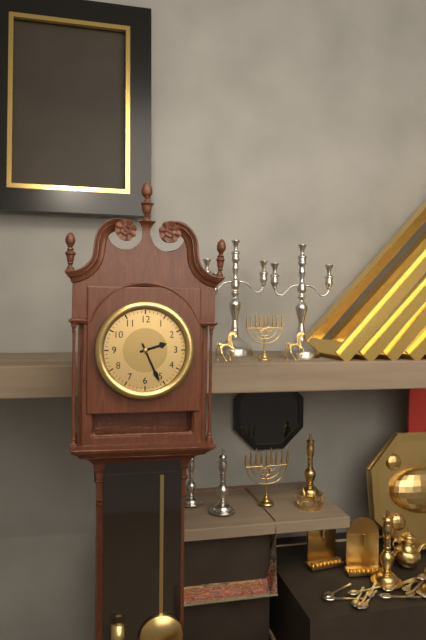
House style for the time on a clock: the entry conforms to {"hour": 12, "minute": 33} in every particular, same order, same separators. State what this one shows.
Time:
{"hour": 2, "minute": 26}
